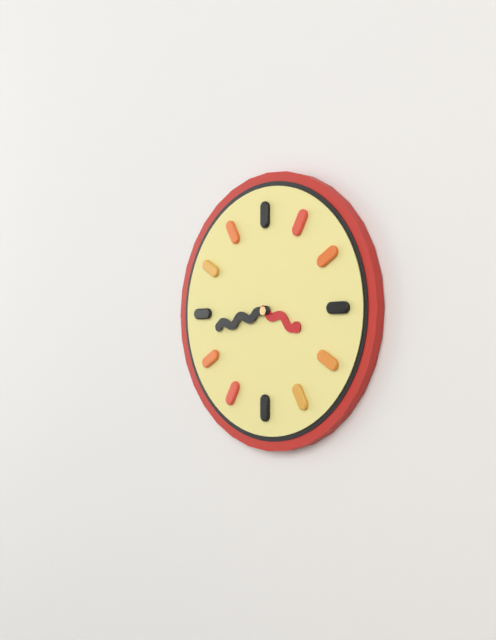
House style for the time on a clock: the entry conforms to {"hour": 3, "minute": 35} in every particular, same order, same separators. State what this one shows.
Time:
{"hour": 3, "minute": 43}
